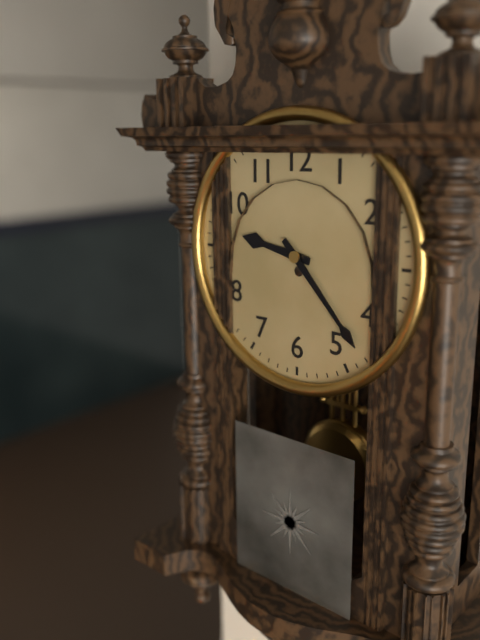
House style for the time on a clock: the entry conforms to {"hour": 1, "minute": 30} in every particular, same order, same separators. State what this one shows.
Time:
{"hour": 9, "minute": 23}
